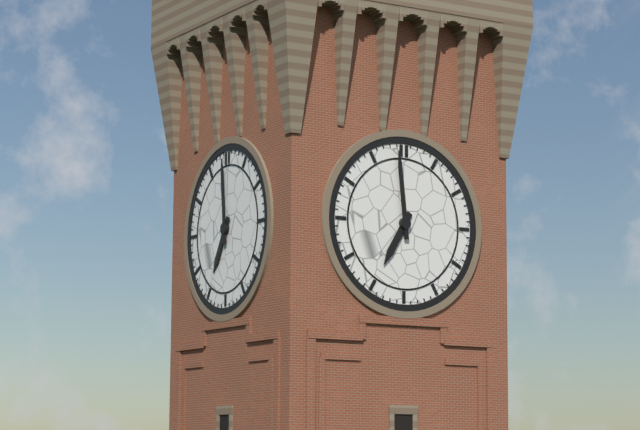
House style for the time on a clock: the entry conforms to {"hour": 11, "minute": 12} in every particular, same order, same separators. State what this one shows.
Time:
{"hour": 6, "minute": 59}
